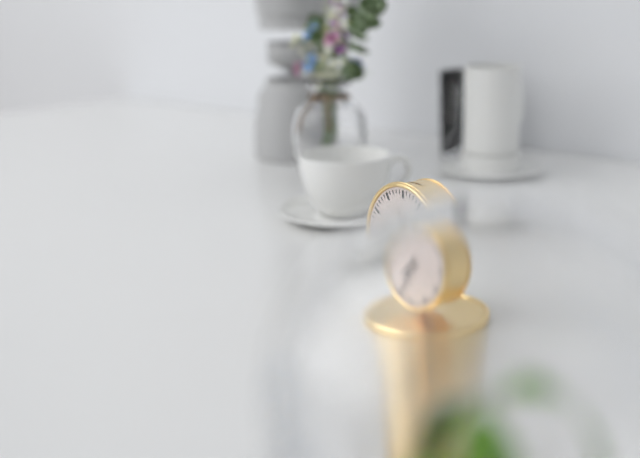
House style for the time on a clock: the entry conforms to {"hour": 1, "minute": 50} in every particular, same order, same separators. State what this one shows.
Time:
{"hour": 7, "minute": 34}
